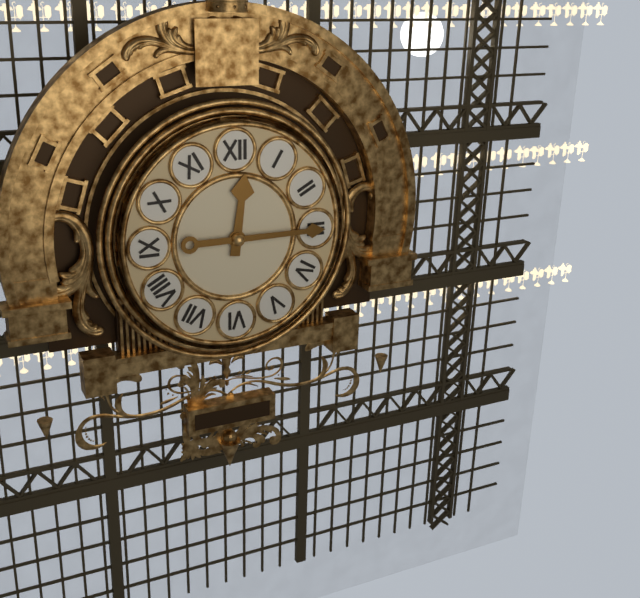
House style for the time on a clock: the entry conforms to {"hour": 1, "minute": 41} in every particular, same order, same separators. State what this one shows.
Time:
{"hour": 12, "minute": 15}
